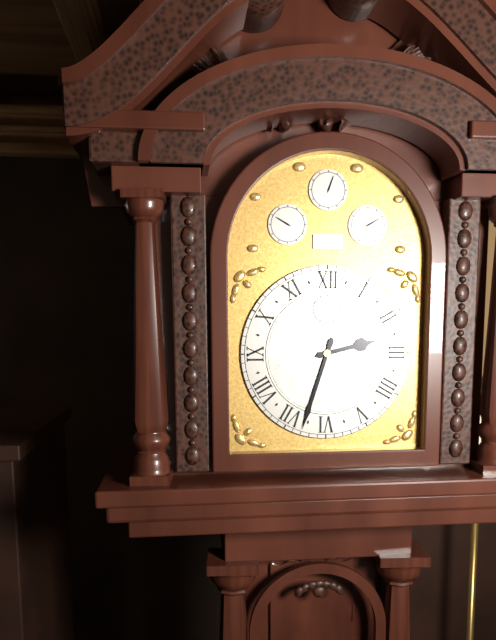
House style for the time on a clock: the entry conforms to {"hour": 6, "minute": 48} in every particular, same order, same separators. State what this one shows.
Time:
{"hour": 2, "minute": 33}
